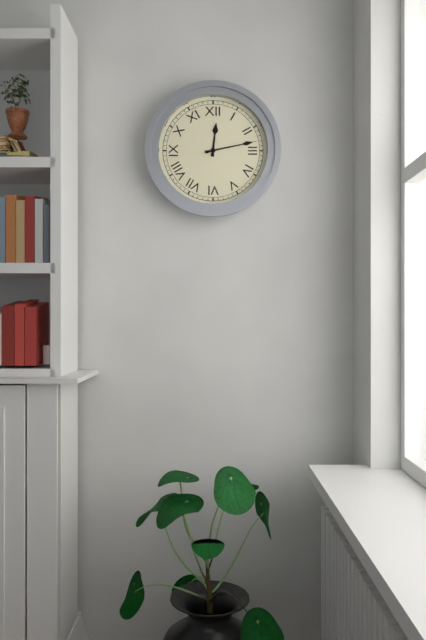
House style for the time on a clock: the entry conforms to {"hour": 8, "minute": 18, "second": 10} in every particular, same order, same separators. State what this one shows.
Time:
{"hour": 12, "minute": 13, "second": 13}
